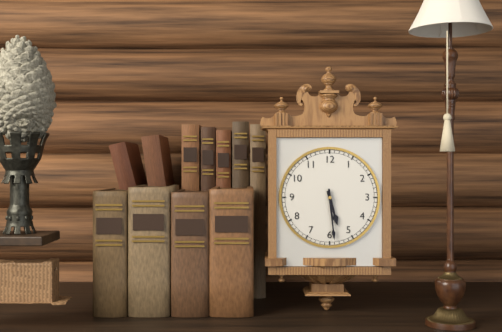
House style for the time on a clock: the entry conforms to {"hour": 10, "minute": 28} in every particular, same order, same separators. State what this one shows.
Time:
{"hour": 5, "minute": 29}
